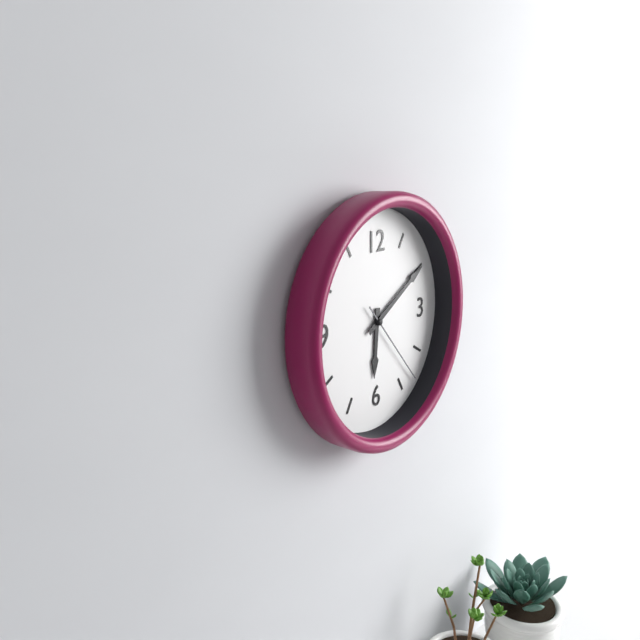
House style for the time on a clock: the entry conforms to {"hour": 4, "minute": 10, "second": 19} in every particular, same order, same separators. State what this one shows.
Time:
{"hour": 6, "minute": 10, "second": 23}
